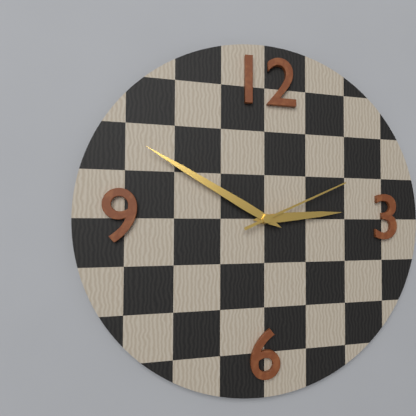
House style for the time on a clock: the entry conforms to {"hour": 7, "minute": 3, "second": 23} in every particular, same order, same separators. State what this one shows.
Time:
{"hour": 2, "minute": 50, "second": 11}
